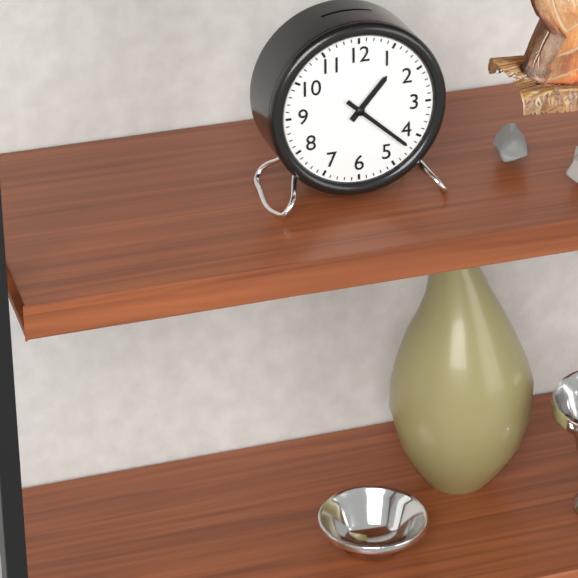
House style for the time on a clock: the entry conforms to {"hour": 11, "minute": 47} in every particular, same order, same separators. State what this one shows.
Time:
{"hour": 1, "minute": 22}
